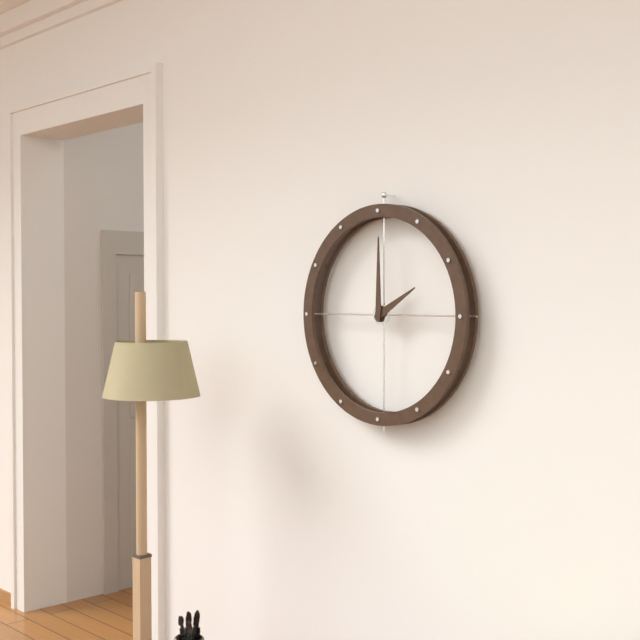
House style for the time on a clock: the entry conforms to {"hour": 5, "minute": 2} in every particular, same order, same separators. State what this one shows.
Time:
{"hour": 2, "minute": 0}
